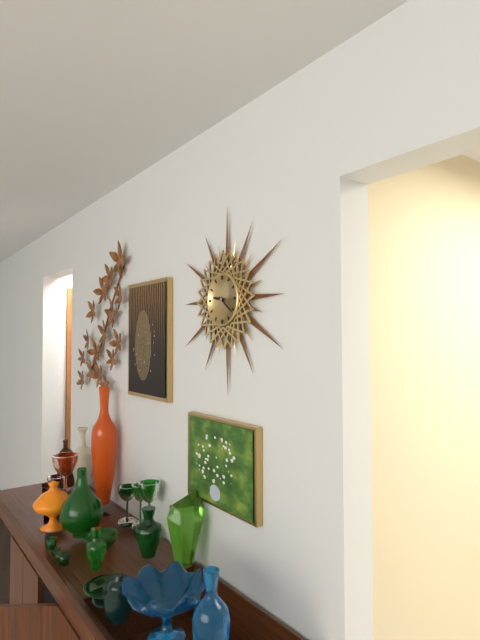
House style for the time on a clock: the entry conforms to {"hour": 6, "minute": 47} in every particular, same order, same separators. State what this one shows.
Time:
{"hour": 9, "minute": 21}
